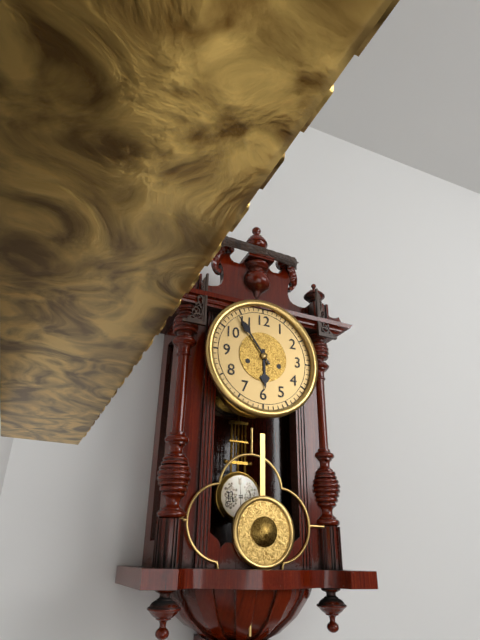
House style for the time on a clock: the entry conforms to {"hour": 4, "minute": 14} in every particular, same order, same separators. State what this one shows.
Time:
{"hour": 5, "minute": 54}
